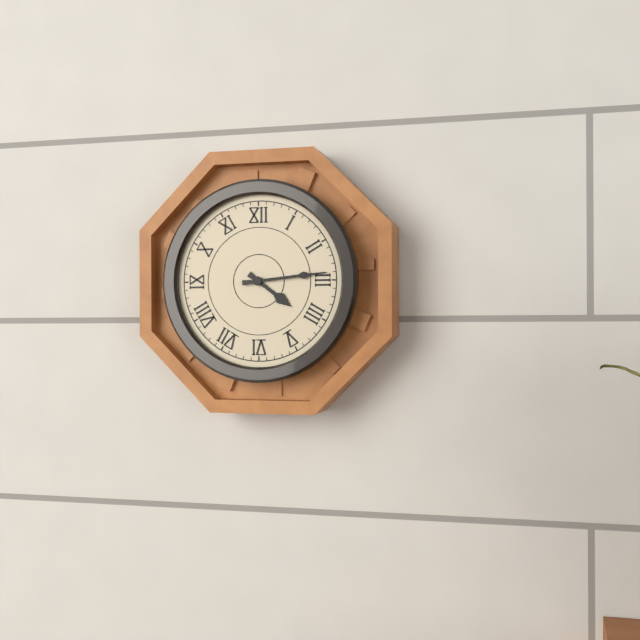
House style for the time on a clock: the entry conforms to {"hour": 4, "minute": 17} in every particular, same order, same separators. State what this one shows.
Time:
{"hour": 4, "minute": 14}
